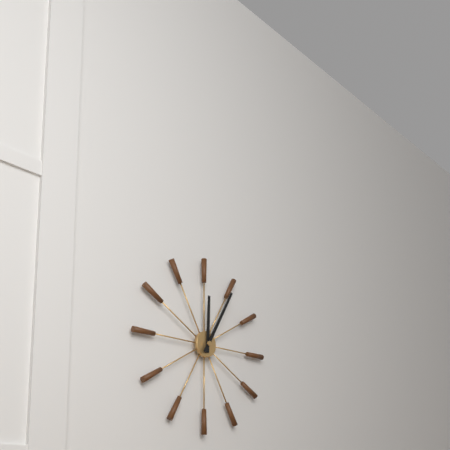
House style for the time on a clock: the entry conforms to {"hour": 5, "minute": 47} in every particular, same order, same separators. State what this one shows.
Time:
{"hour": 12, "minute": 5}
